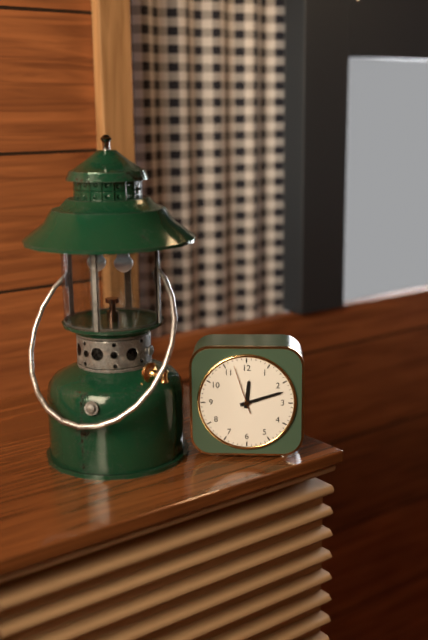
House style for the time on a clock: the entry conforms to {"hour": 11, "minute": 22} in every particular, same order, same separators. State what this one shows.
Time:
{"hour": 12, "minute": 12}
